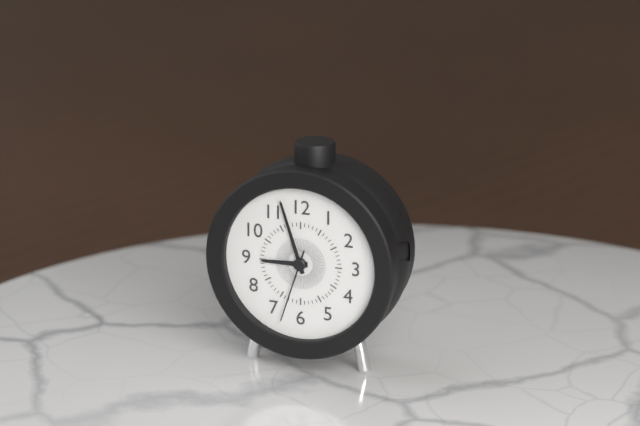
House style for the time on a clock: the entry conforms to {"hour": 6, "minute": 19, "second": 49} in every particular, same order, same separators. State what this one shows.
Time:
{"hour": 8, "minute": 57, "second": 33}
